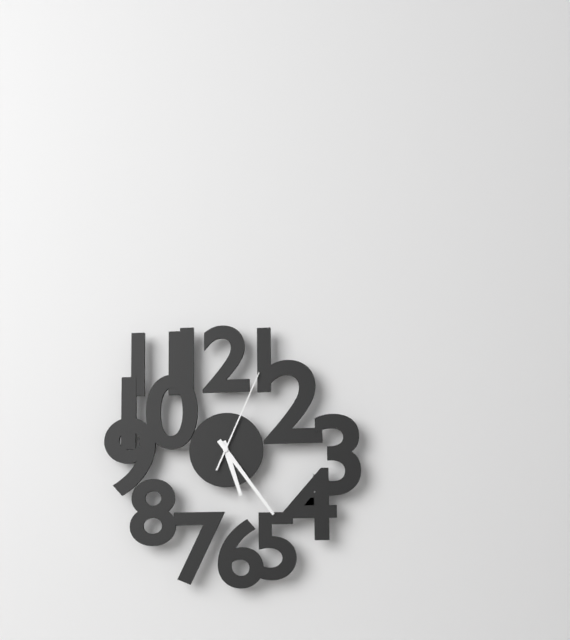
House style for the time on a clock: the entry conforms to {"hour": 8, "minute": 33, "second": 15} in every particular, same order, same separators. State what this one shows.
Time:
{"hour": 5, "minute": 24, "second": 4}
